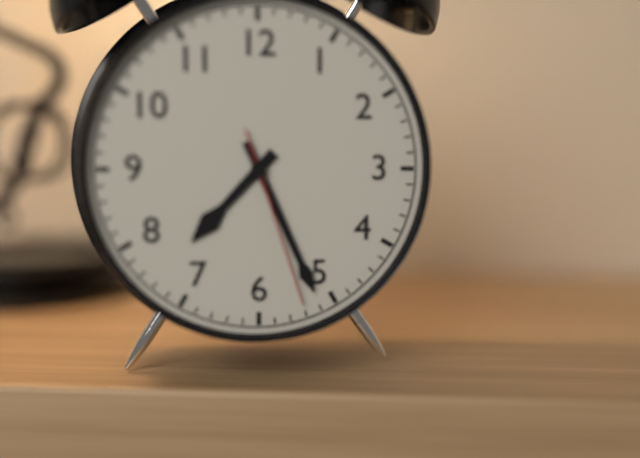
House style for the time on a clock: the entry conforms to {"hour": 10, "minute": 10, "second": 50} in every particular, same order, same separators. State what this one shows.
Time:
{"hour": 7, "minute": 26, "second": 27}
